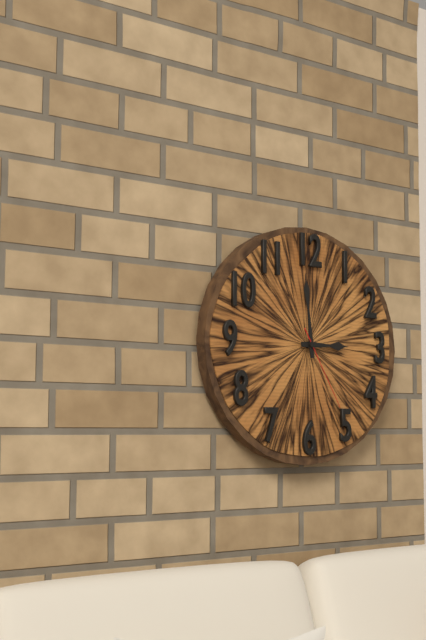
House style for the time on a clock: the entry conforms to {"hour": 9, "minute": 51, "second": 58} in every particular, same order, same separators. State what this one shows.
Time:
{"hour": 2, "minute": 59, "second": 25}
